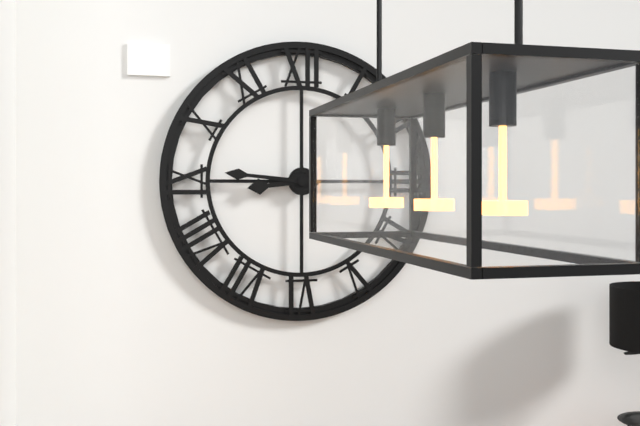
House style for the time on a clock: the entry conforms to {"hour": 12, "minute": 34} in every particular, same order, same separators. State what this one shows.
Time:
{"hour": 8, "minute": 46}
